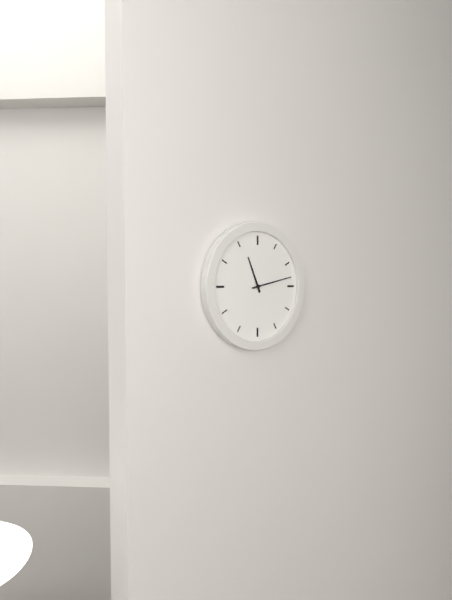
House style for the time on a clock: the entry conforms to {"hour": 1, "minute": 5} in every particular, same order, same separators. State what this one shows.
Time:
{"hour": 11, "minute": 13}
